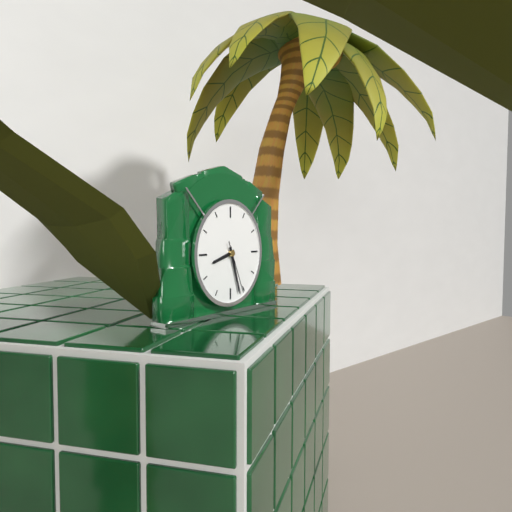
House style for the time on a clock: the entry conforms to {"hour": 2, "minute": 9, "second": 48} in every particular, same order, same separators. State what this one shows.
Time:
{"hour": 8, "minute": 27, "second": 26}
